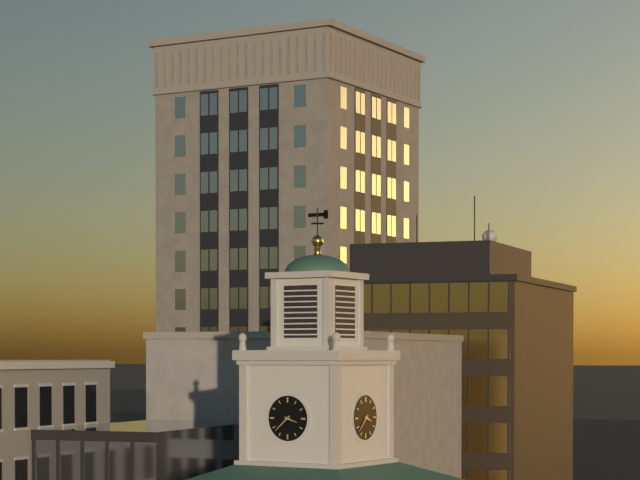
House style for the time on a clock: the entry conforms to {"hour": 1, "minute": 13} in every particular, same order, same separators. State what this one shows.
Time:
{"hour": 3, "minute": 38}
